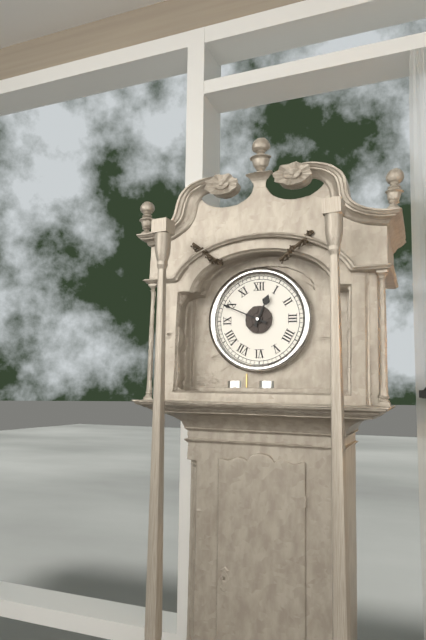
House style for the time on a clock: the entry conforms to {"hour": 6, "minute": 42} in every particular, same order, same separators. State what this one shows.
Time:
{"hour": 12, "minute": 49}
